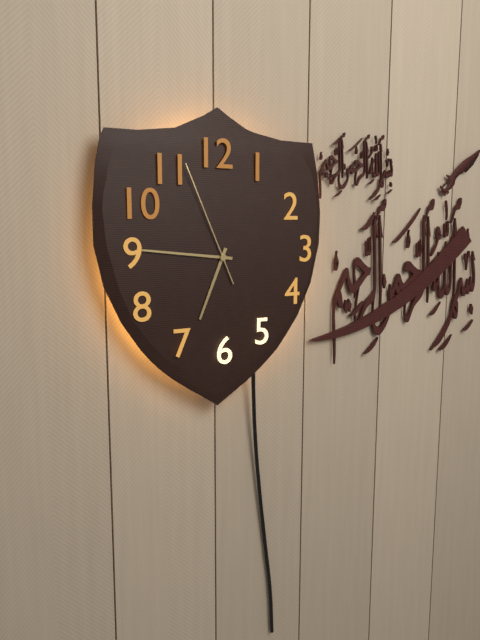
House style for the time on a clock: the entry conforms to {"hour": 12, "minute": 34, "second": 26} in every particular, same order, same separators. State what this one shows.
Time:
{"hour": 6, "minute": 46, "second": 56}
